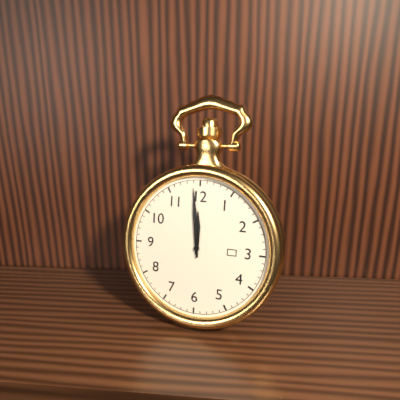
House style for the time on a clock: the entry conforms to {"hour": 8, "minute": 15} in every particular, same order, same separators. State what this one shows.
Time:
{"hour": 11, "minute": 59}
